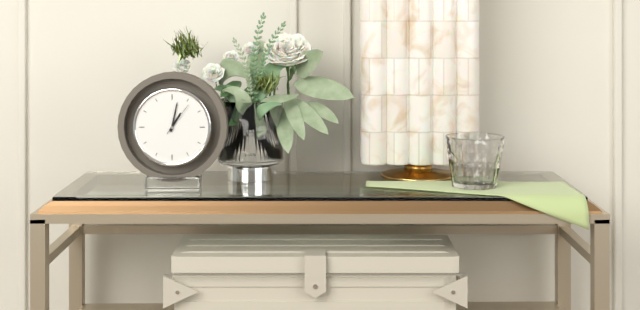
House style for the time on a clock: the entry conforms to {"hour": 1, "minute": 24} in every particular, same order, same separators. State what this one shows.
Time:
{"hour": 1, "minute": 2}
